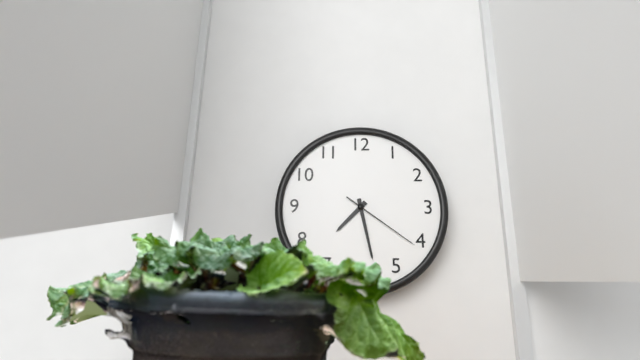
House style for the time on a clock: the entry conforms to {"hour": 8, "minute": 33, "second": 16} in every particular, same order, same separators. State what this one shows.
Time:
{"hour": 7, "minute": 28, "second": 21}
